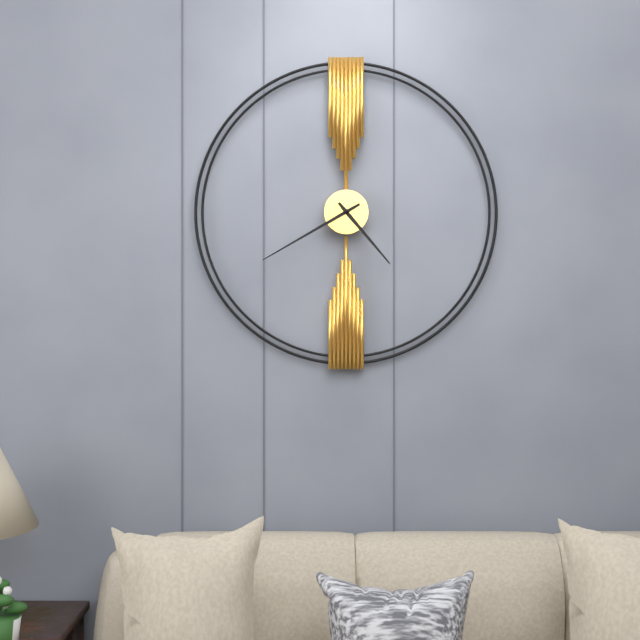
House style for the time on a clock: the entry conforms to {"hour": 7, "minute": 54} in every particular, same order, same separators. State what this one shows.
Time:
{"hour": 4, "minute": 40}
